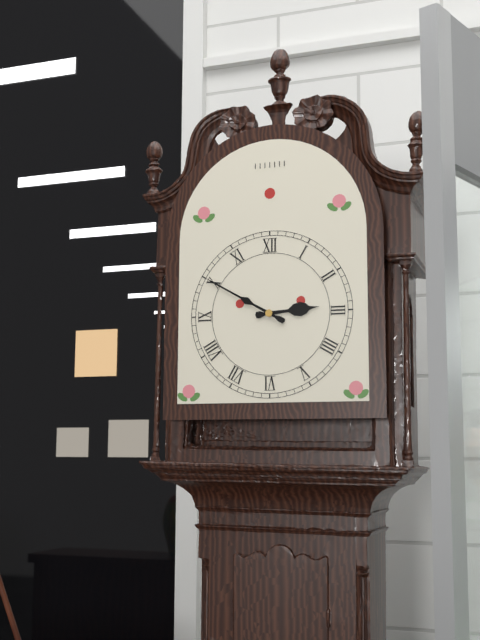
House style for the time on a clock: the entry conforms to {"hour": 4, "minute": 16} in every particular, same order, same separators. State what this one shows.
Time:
{"hour": 2, "minute": 50}
